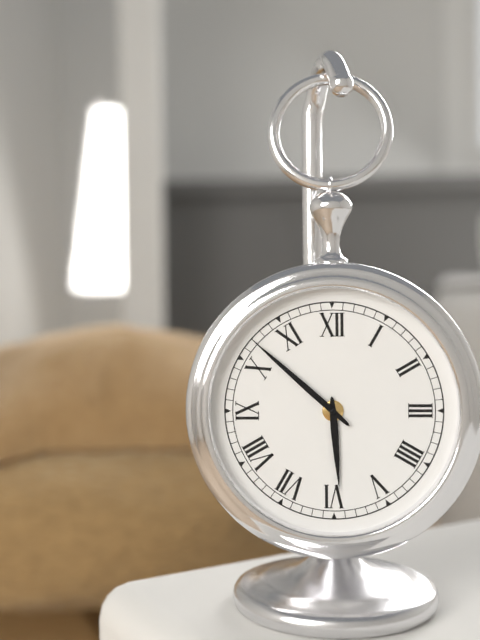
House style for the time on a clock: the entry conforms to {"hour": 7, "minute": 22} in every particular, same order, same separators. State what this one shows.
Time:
{"hour": 5, "minute": 52}
